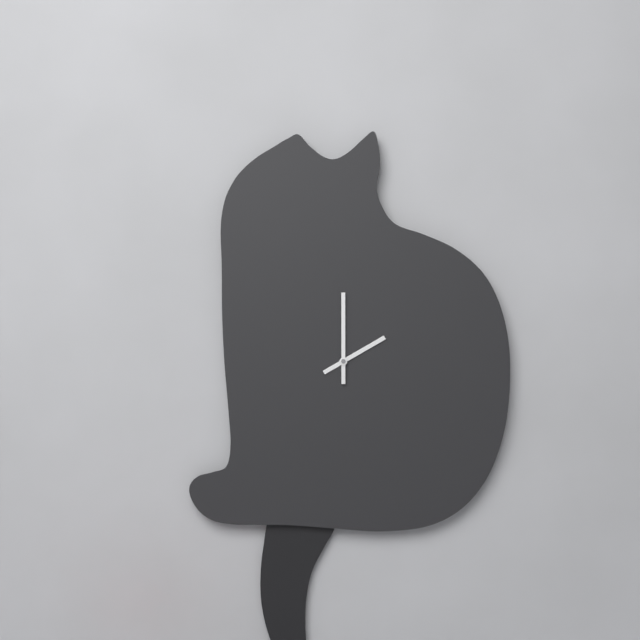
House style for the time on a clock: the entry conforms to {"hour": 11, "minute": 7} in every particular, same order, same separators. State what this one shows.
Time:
{"hour": 2, "minute": 0}
